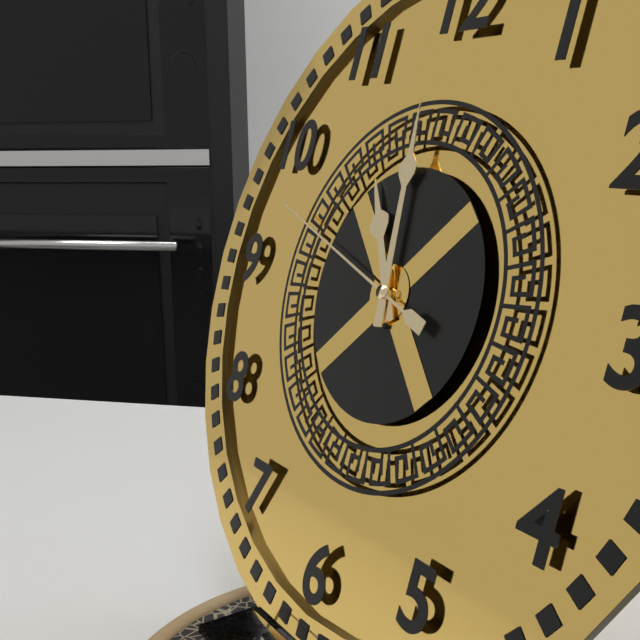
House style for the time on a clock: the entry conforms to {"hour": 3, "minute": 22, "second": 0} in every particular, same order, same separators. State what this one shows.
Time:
{"hour": 10, "minute": 59, "second": 48}
